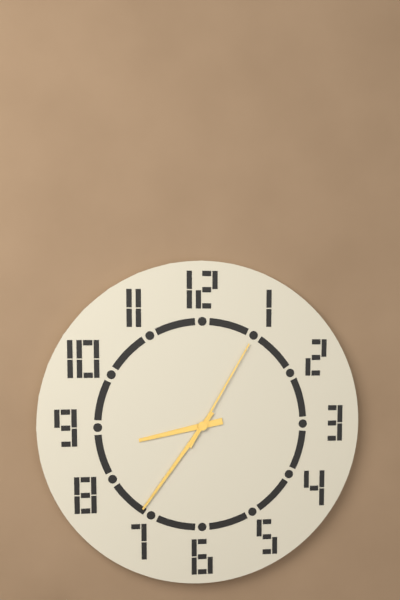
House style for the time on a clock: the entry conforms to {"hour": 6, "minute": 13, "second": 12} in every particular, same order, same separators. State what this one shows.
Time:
{"hour": 8, "minute": 36, "second": 5}
